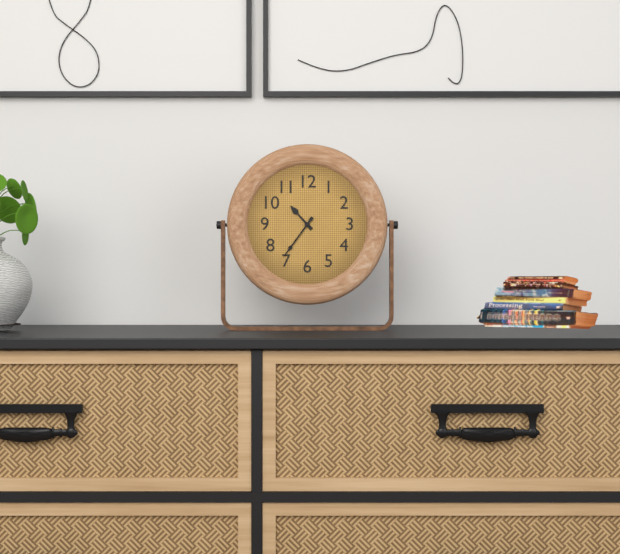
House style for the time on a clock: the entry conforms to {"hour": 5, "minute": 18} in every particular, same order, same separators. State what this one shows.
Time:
{"hour": 10, "minute": 36}
